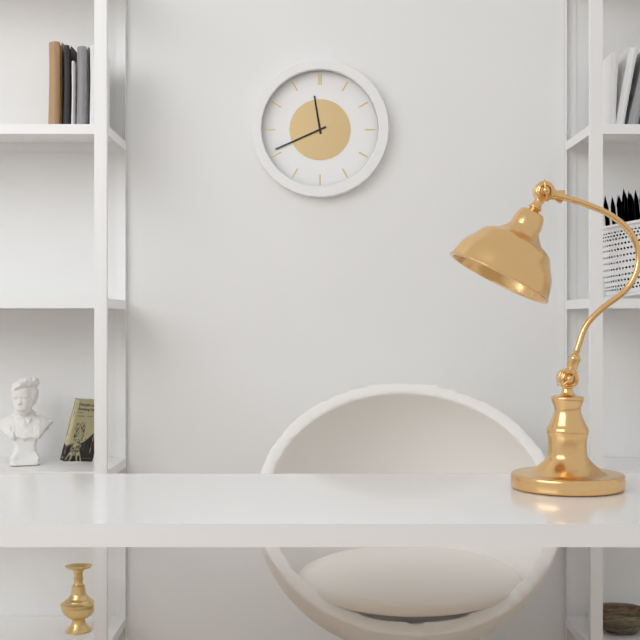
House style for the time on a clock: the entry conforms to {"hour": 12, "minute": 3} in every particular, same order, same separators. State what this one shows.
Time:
{"hour": 11, "minute": 41}
